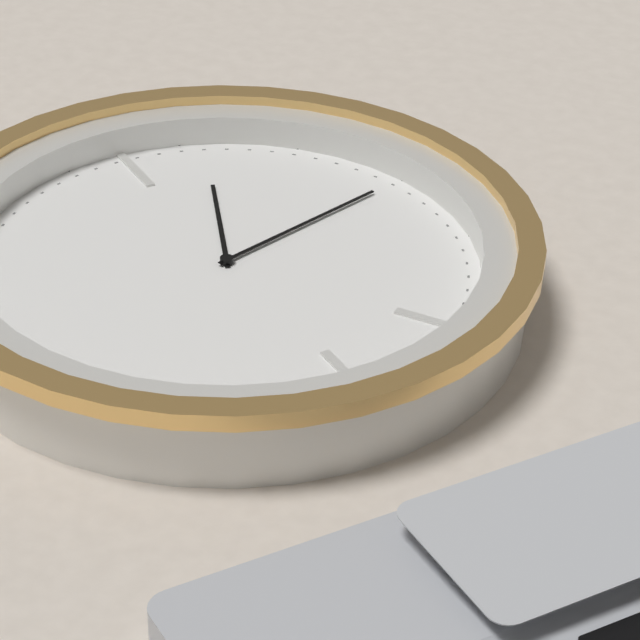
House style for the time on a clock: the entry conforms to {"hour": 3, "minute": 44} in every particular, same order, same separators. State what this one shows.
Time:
{"hour": 5, "minute": 37}
